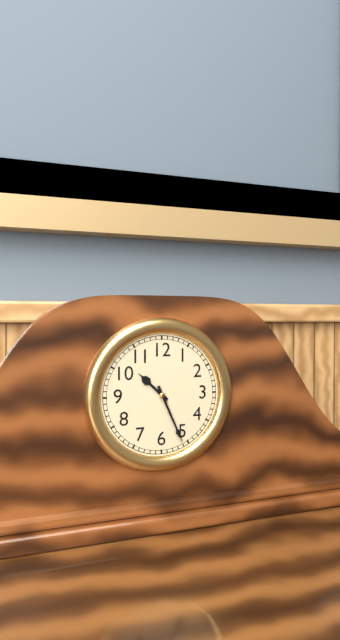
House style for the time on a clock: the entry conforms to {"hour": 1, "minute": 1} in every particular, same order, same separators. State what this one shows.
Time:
{"hour": 10, "minute": 26}
